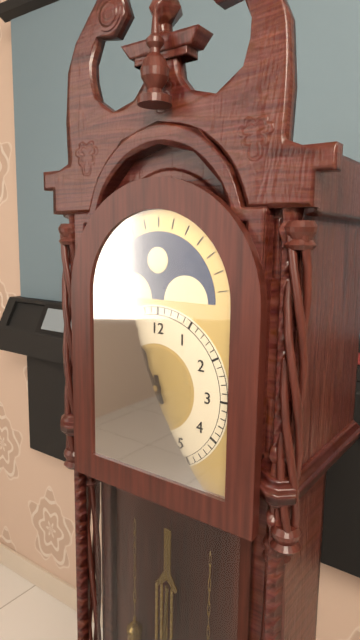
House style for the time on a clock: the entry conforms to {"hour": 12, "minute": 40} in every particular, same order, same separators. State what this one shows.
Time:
{"hour": 5, "minute": 55}
